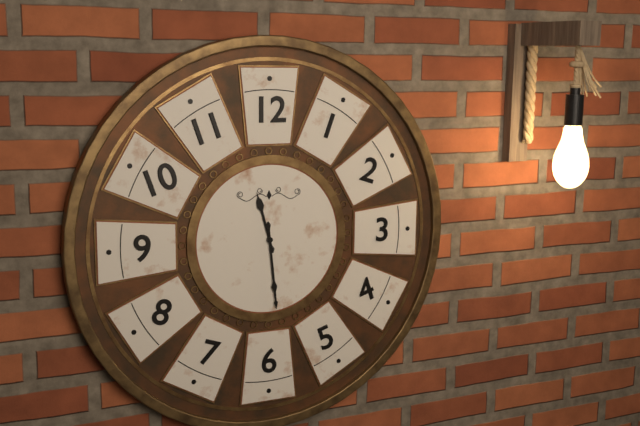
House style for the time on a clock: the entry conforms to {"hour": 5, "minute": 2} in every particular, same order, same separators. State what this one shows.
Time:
{"hour": 11, "minute": 29}
